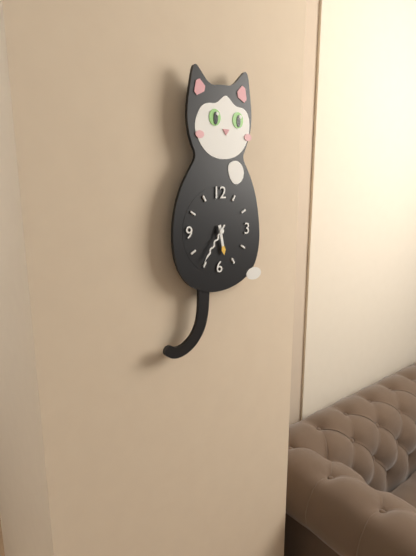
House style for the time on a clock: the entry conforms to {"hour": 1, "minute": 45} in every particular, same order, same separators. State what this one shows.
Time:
{"hour": 5, "minute": 36}
